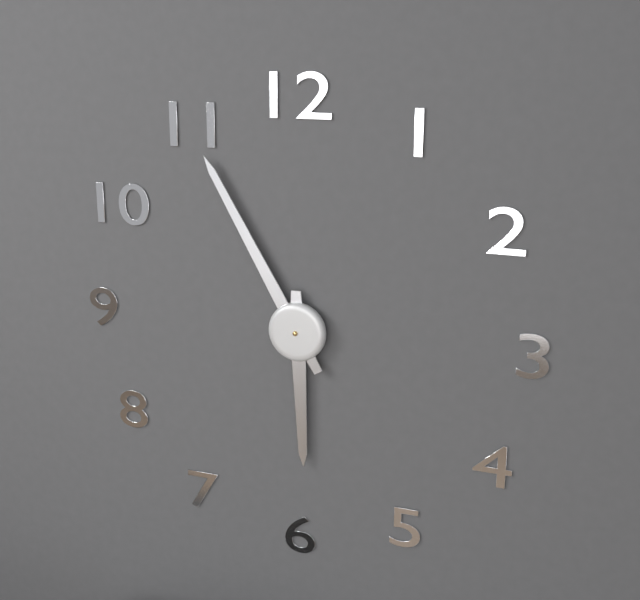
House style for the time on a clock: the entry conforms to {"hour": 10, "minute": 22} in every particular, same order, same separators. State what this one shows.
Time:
{"hour": 5, "minute": 55}
